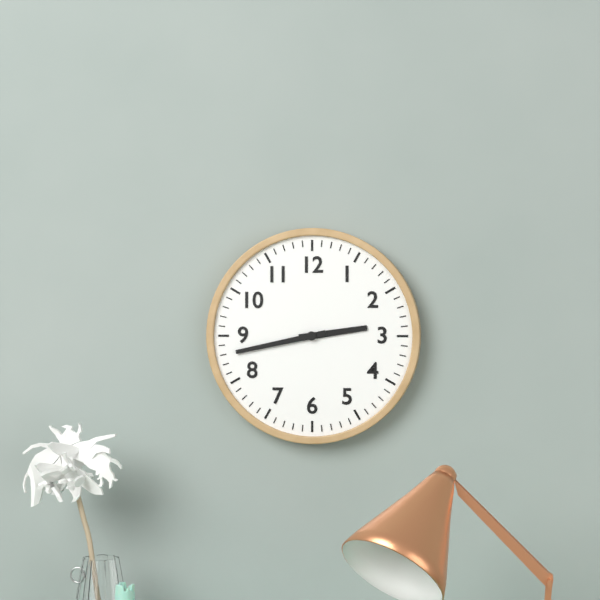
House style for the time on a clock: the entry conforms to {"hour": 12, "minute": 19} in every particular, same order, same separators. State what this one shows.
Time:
{"hour": 2, "minute": 43}
